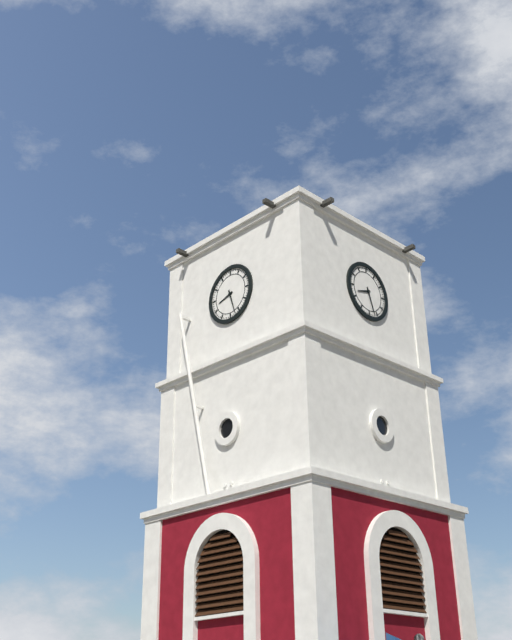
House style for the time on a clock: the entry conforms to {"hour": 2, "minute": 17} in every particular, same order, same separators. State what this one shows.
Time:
{"hour": 8, "minute": 27}
